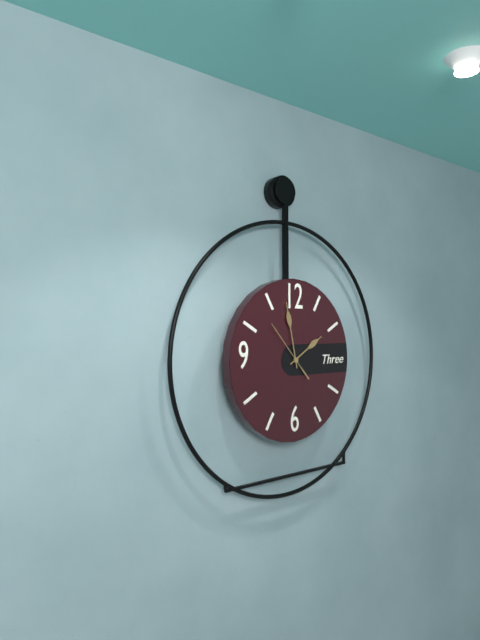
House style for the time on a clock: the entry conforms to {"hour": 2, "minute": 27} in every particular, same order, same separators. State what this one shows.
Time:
{"hour": 1, "minute": 58}
